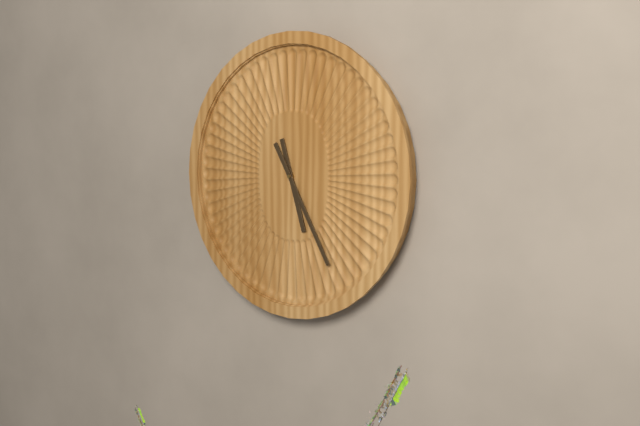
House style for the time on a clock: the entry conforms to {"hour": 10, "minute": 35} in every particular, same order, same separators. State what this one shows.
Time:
{"hour": 5, "minute": 25}
